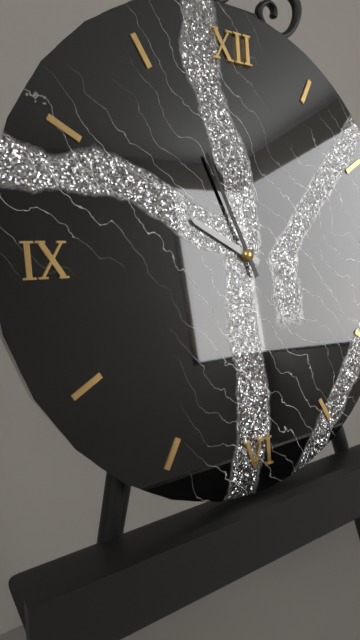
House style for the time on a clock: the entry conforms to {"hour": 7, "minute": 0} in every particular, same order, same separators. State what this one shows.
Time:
{"hour": 9, "minute": 56}
